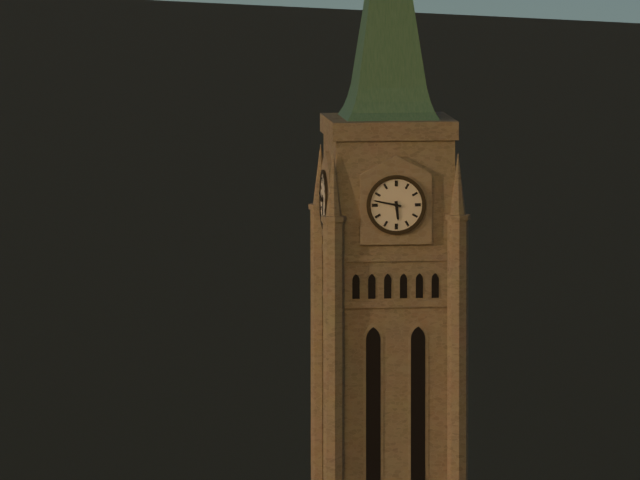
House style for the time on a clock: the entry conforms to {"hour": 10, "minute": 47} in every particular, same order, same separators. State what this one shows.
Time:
{"hour": 5, "minute": 47}
